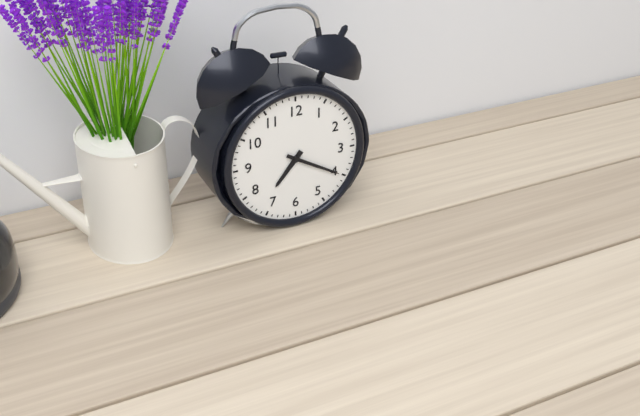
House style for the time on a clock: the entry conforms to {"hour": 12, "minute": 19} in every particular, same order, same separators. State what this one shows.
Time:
{"hour": 7, "minute": 20}
